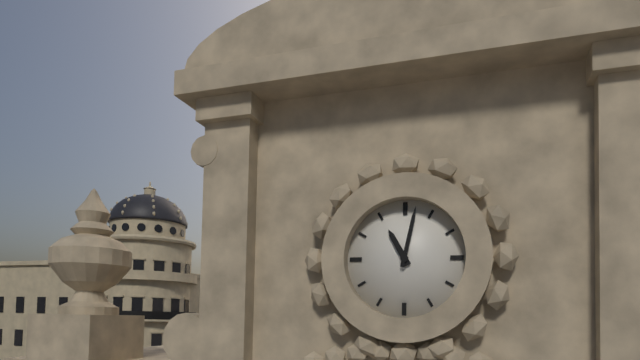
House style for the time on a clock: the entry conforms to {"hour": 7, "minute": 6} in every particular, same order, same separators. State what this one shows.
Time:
{"hour": 11, "minute": 2}
